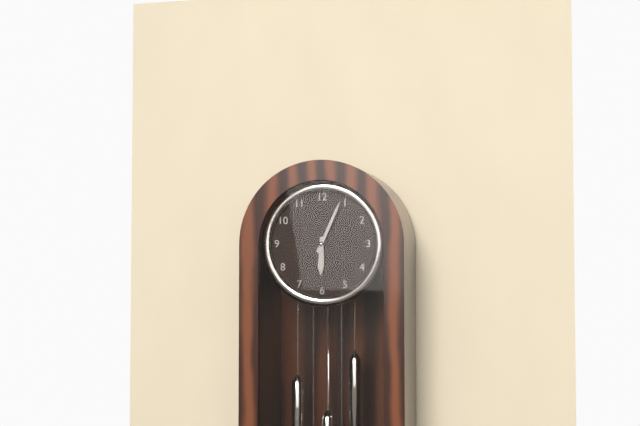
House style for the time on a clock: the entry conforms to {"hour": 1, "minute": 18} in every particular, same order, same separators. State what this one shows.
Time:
{"hour": 6, "minute": 4}
